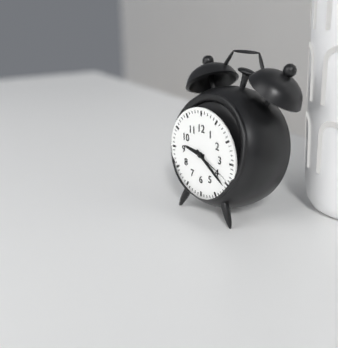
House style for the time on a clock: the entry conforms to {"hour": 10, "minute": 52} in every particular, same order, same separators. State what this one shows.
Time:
{"hour": 9, "minute": 21}
